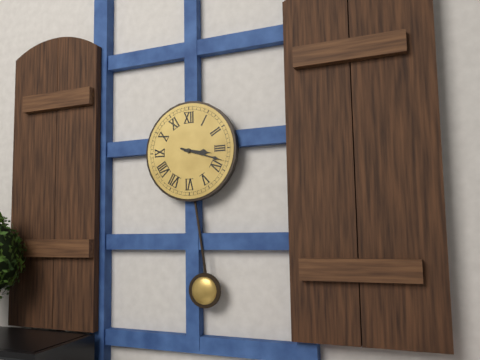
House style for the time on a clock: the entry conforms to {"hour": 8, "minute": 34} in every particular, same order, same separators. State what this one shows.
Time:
{"hour": 3, "minute": 18}
